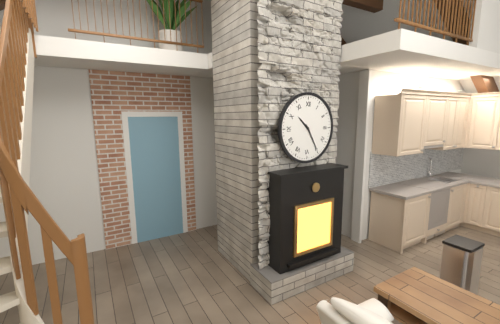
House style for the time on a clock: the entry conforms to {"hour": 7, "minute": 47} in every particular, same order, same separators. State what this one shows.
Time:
{"hour": 10, "minute": 25}
